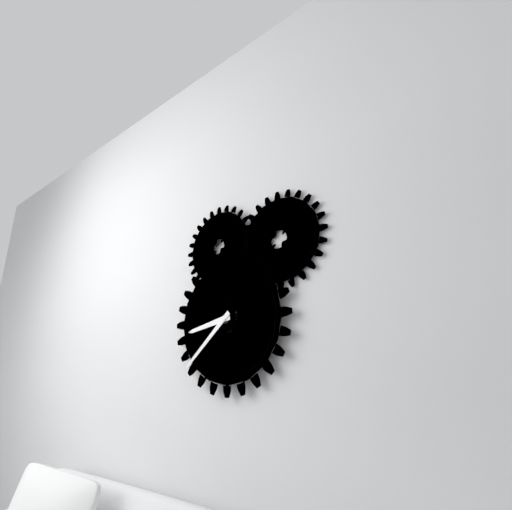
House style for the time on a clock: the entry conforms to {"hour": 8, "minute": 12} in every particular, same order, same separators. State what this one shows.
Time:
{"hour": 8, "minute": 38}
